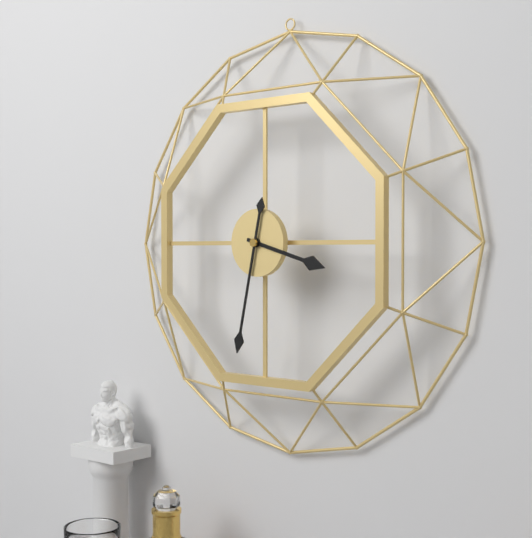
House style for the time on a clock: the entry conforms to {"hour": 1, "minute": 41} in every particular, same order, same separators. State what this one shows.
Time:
{"hour": 3, "minute": 32}
